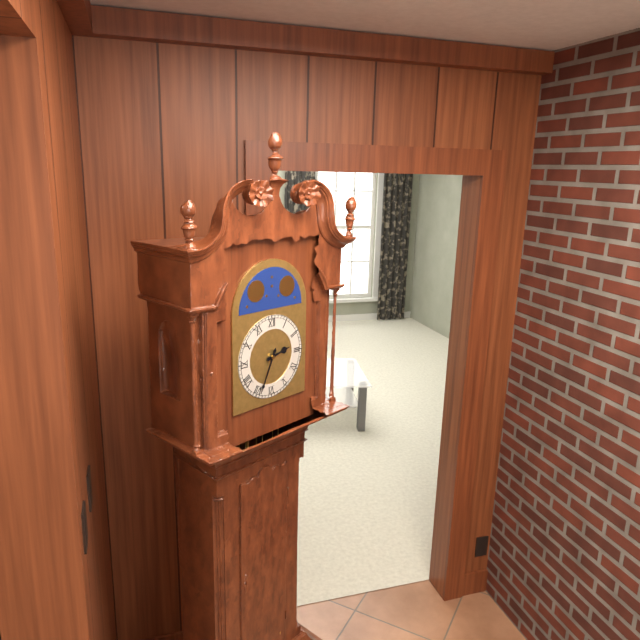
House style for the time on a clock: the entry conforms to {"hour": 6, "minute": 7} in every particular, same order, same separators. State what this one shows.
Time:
{"hour": 2, "minute": 34}
